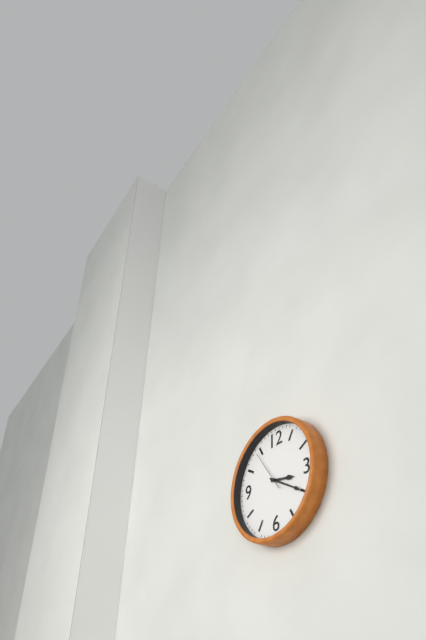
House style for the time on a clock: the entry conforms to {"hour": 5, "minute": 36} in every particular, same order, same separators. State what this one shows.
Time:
{"hour": 3, "minute": 20}
